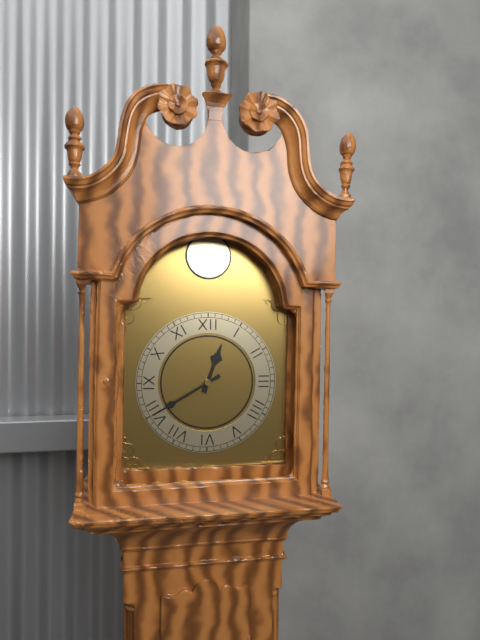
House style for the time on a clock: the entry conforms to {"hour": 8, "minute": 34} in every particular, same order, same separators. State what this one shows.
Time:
{"hour": 12, "minute": 40}
